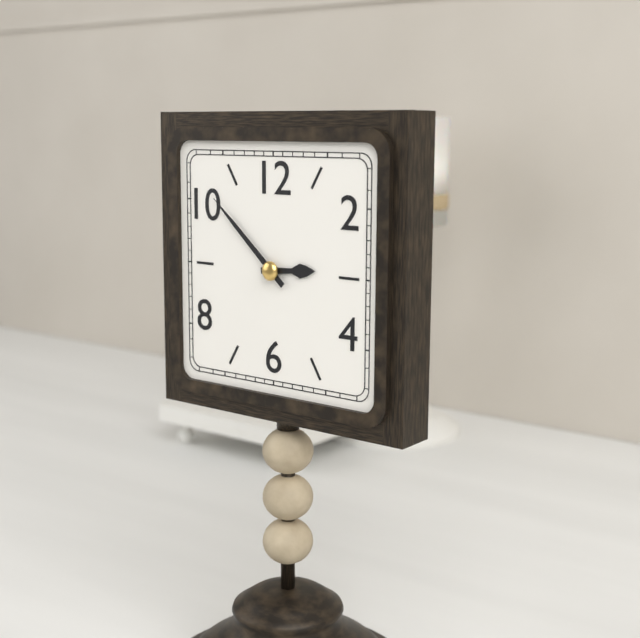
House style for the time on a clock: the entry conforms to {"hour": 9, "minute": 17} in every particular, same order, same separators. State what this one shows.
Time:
{"hour": 2, "minute": 52}
